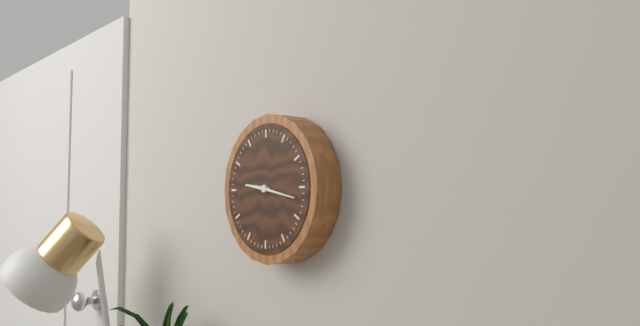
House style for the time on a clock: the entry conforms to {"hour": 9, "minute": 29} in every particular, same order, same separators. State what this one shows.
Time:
{"hour": 9, "minute": 17}
